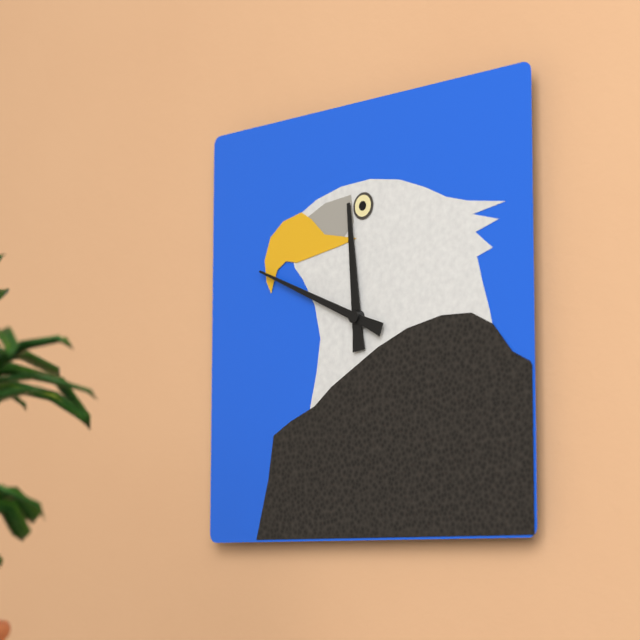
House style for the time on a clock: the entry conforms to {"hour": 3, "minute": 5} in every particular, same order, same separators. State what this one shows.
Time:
{"hour": 11, "minute": 49}
